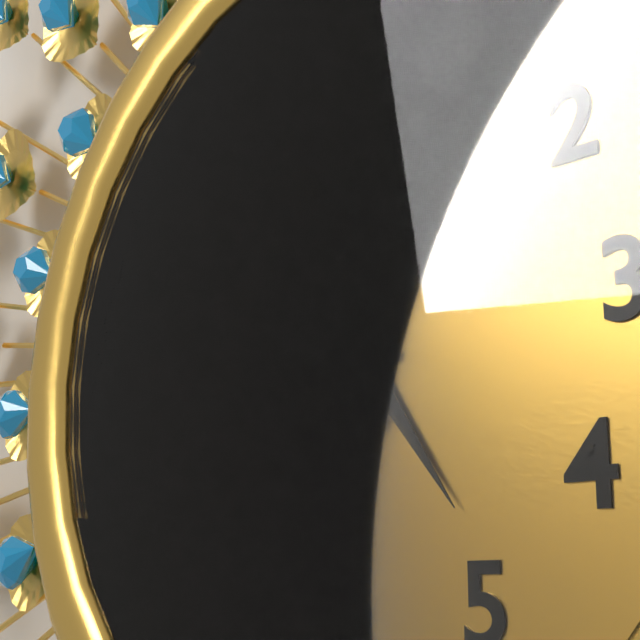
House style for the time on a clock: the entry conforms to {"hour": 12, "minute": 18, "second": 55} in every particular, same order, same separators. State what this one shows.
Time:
{"hour": 4, "minute": 49, "second": 57}
